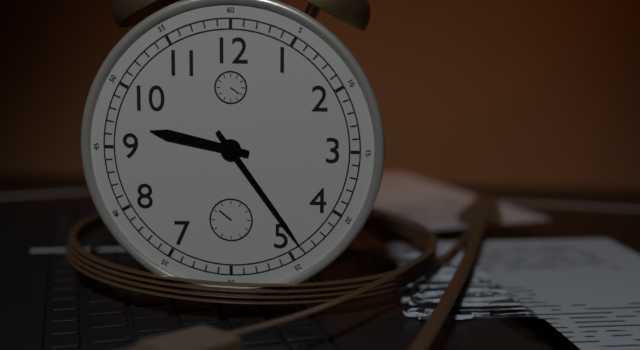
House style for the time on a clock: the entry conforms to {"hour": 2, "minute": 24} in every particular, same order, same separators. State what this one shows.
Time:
{"hour": 9, "minute": 24}
